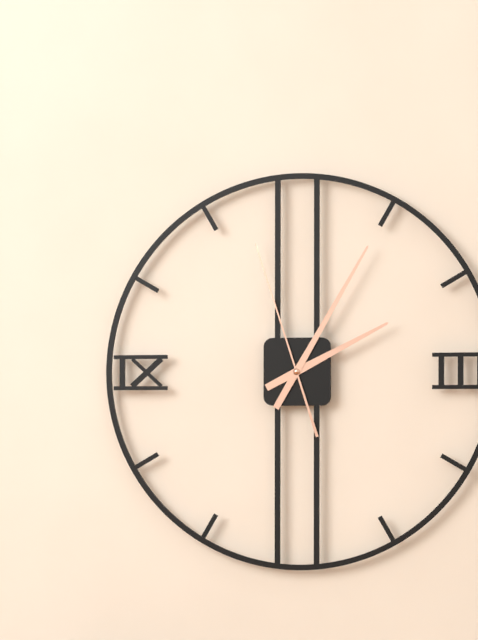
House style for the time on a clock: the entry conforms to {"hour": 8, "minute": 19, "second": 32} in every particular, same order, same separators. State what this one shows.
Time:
{"hour": 2, "minute": 5, "second": 57}
